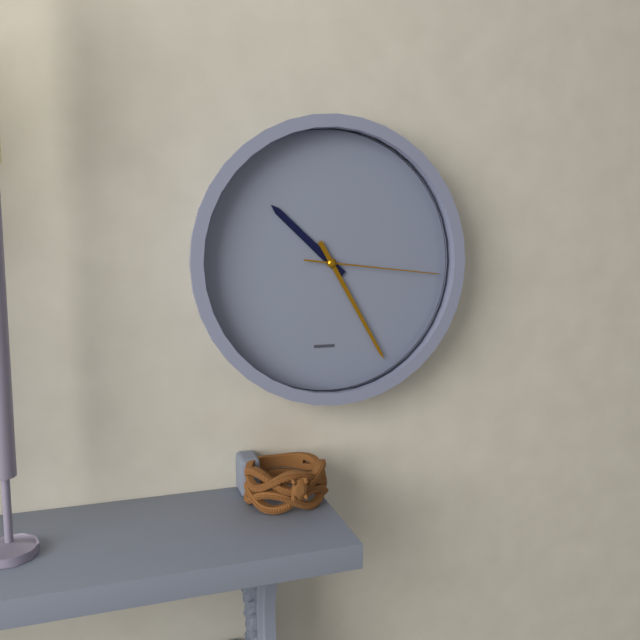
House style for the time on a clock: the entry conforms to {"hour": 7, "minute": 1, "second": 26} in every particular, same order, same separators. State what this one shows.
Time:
{"hour": 10, "minute": 25, "second": 16}
